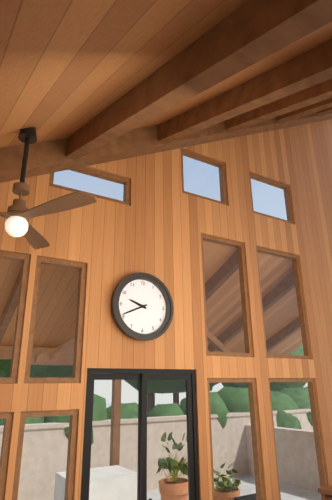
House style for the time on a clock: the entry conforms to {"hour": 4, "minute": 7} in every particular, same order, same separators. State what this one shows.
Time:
{"hour": 9, "minute": 41}
